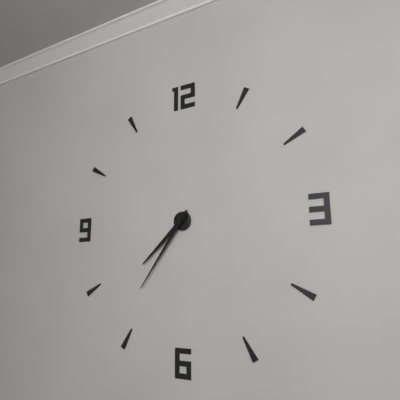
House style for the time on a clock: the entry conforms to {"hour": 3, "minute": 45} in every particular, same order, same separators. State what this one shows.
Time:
{"hour": 7, "minute": 36}
